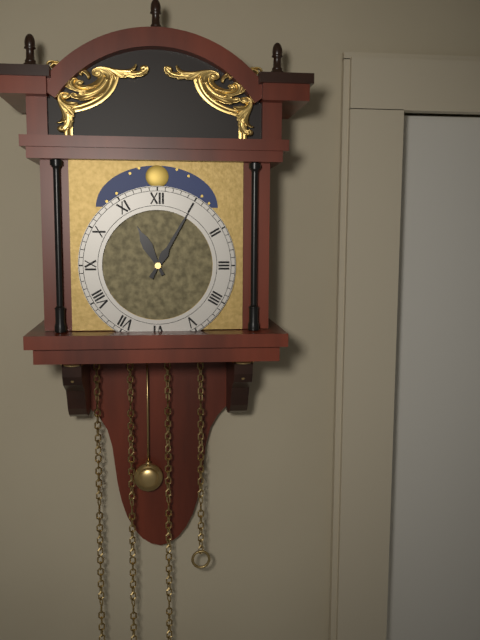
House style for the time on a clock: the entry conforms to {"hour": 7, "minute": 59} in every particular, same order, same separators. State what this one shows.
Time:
{"hour": 11, "minute": 5}
